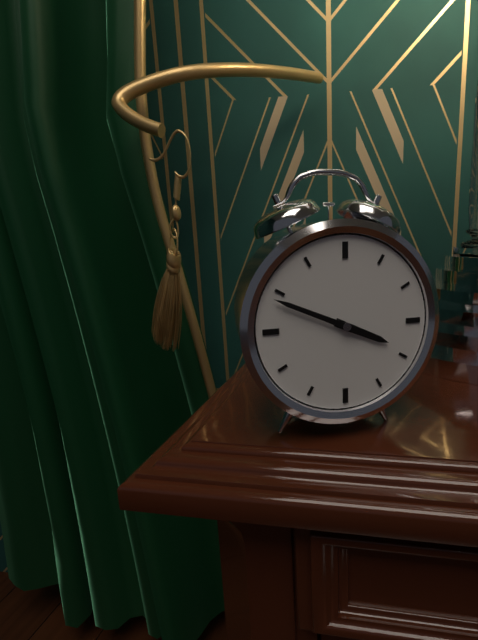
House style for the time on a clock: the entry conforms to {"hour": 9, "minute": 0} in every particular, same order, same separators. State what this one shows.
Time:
{"hour": 3, "minute": 49}
